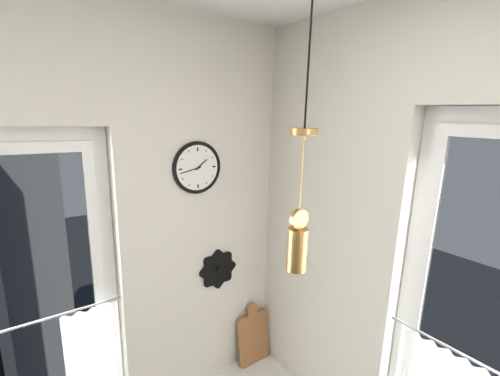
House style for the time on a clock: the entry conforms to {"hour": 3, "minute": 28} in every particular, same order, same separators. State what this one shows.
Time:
{"hour": 1, "minute": 43}
